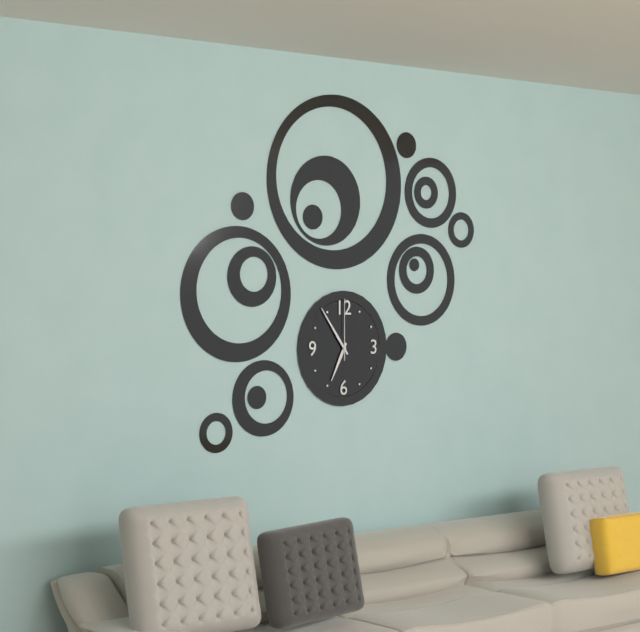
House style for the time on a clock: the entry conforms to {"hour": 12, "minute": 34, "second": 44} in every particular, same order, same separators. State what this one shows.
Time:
{"hour": 6, "minute": 54, "second": 0}
